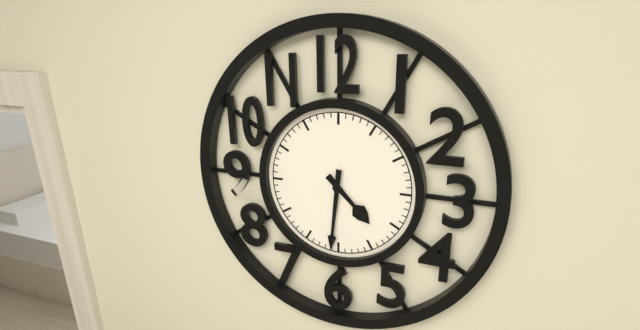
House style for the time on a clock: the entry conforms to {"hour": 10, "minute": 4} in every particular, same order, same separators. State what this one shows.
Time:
{"hour": 4, "minute": 31}
